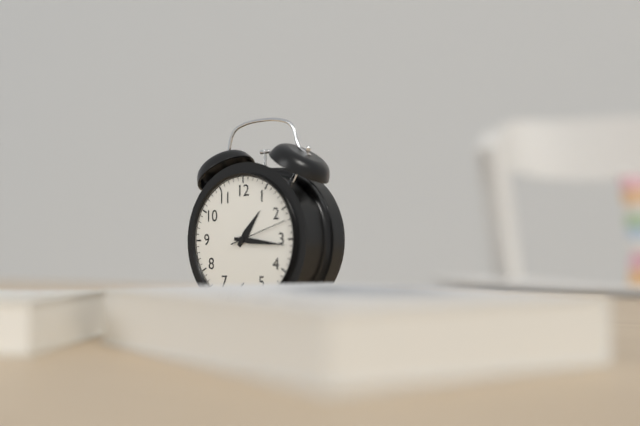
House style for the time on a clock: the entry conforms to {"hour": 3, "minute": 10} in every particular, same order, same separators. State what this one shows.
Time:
{"hour": 1, "minute": 16}
